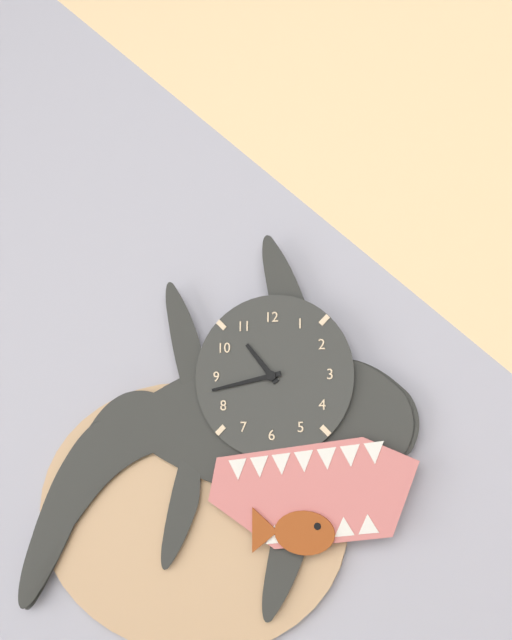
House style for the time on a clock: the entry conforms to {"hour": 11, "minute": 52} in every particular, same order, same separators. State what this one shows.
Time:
{"hour": 10, "minute": 43}
